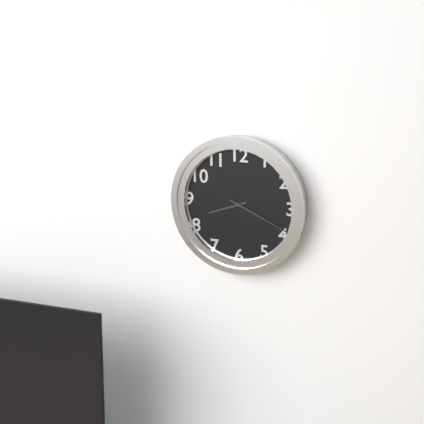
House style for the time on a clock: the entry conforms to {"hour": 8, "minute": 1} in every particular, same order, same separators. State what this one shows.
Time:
{"hour": 8, "minute": 19}
